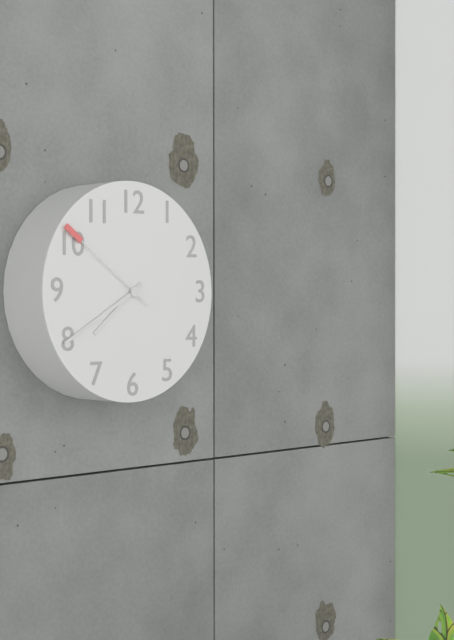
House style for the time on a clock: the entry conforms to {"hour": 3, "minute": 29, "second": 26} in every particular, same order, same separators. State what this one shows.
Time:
{"hour": 7, "minute": 40, "second": 51}
